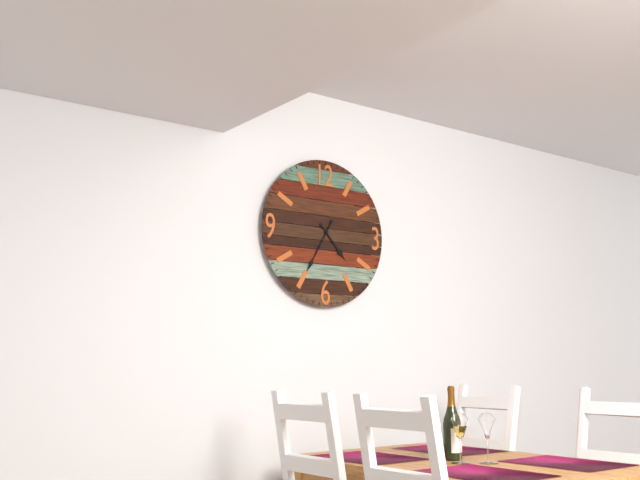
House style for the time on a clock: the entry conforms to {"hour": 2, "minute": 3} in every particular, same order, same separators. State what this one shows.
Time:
{"hour": 4, "minute": 35}
